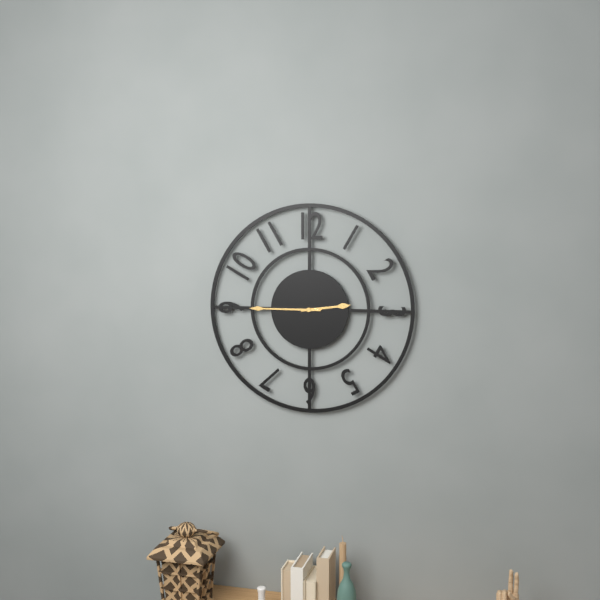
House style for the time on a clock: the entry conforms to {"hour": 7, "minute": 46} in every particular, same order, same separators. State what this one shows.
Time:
{"hour": 2, "minute": 45}
